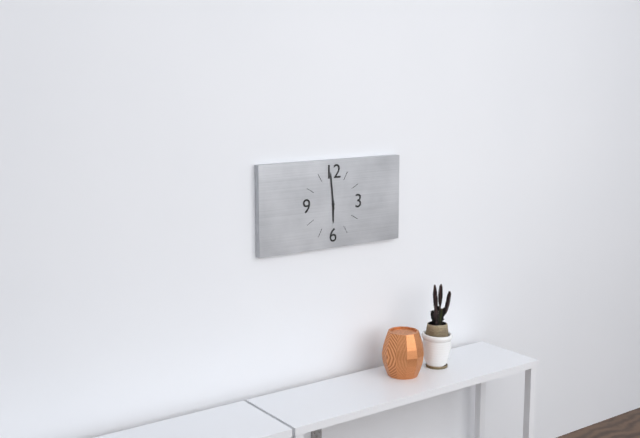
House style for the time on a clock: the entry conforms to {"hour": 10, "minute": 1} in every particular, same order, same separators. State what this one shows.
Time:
{"hour": 5, "minute": 59}
